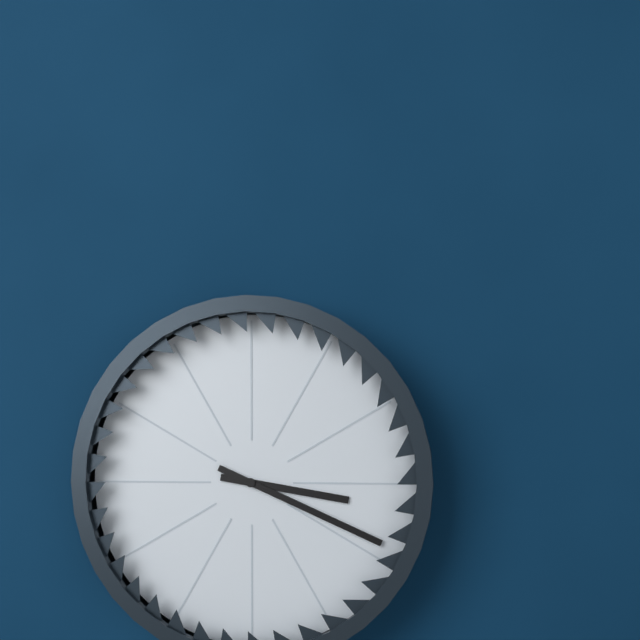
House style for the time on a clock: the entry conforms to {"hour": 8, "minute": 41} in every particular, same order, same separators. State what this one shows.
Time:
{"hour": 3, "minute": 19}
